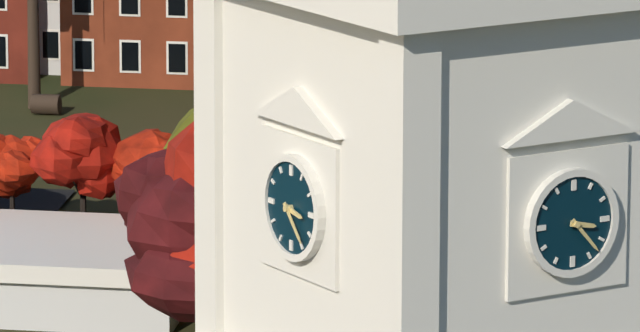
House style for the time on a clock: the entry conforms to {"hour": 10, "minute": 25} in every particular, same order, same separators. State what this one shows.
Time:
{"hour": 3, "minute": 23}
